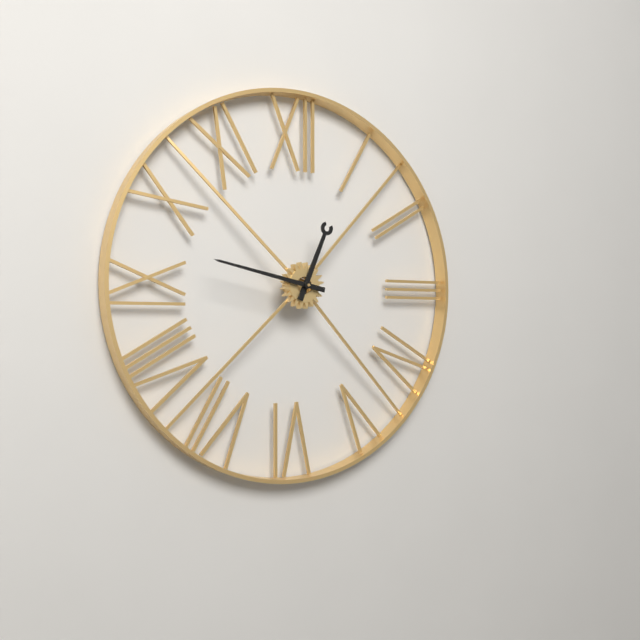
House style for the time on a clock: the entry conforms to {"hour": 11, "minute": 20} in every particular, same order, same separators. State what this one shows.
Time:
{"hour": 12, "minute": 47}
